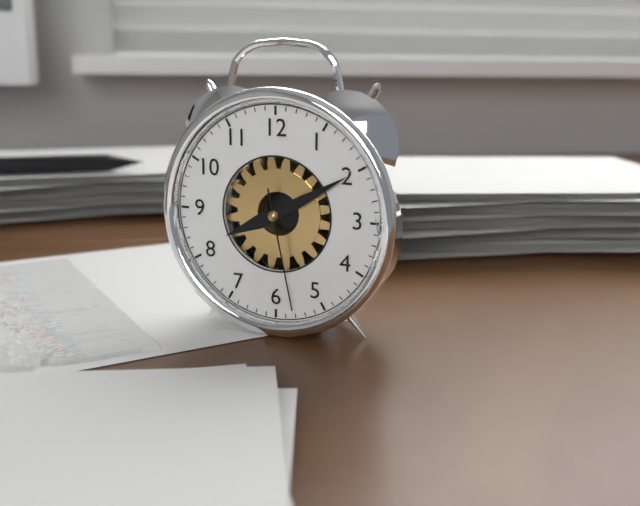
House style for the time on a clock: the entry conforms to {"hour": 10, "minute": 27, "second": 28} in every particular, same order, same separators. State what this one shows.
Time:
{"hour": 8, "minute": 10, "second": 28}
